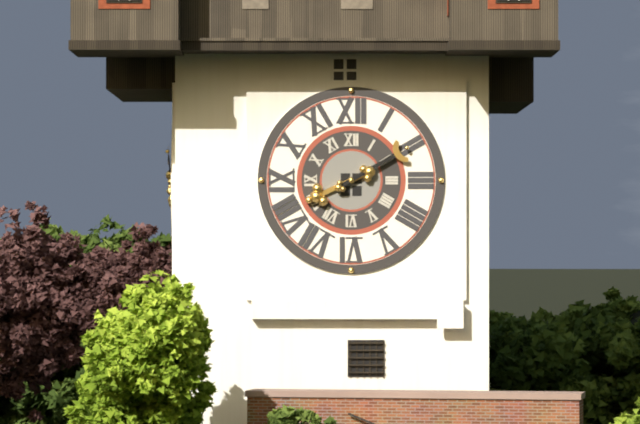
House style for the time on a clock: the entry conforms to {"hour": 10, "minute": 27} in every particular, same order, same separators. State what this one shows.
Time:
{"hour": 8, "minute": 10}
